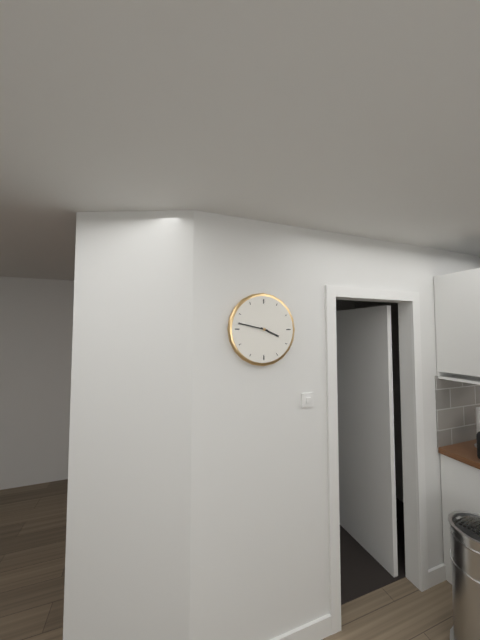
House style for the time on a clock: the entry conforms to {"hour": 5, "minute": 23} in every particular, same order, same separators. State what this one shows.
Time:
{"hour": 3, "minute": 47}
